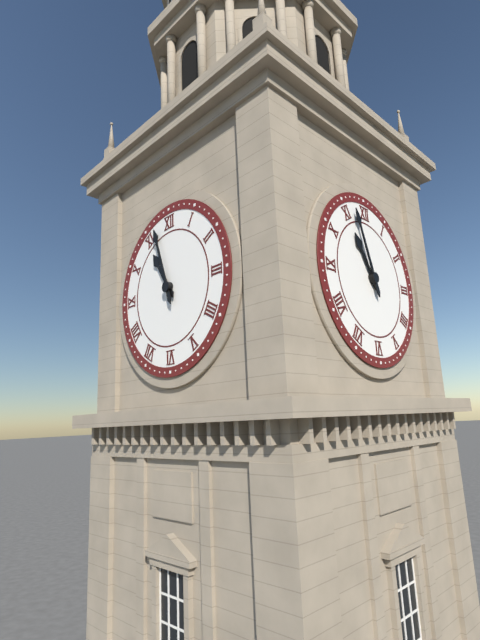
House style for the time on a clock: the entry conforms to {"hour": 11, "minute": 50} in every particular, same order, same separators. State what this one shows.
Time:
{"hour": 10, "minute": 57}
